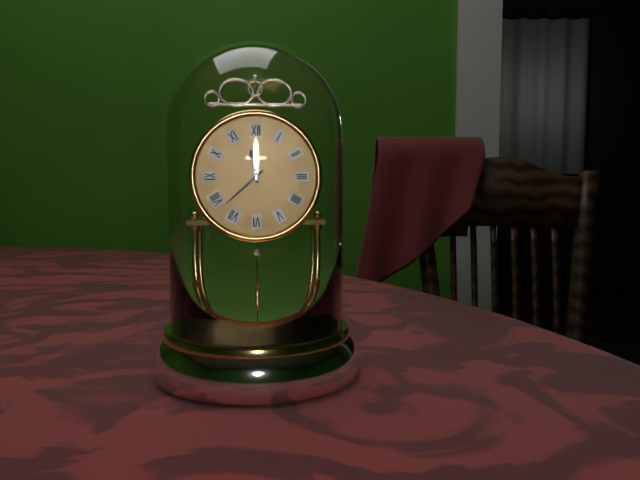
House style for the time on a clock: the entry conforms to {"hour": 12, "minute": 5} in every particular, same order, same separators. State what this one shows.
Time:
{"hour": 11, "minute": 38}
